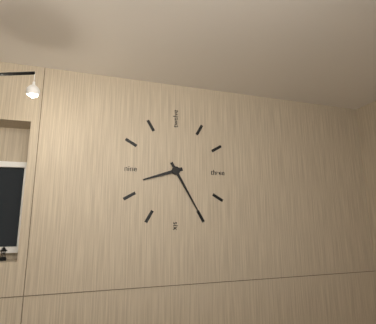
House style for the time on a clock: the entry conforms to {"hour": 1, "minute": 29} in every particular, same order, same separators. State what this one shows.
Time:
{"hour": 8, "minute": 25}
